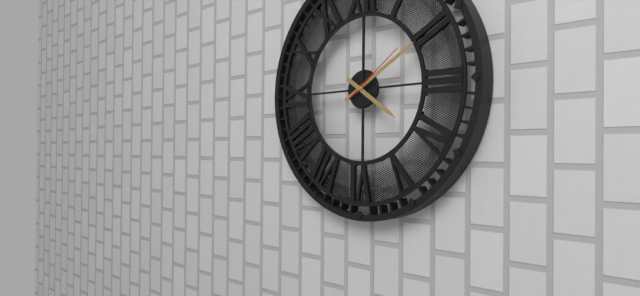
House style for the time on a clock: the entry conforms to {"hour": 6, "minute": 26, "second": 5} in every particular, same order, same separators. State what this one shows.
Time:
{"hour": 4, "minute": 10, "second": 9}
